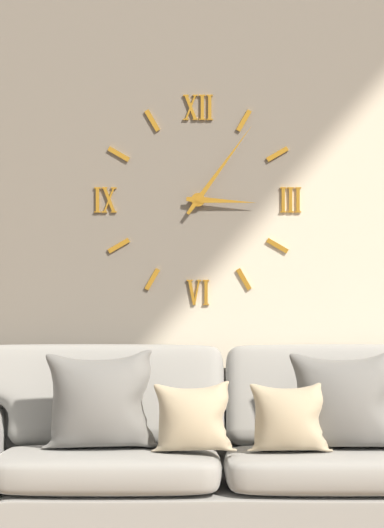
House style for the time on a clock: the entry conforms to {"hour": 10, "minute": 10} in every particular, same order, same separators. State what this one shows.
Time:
{"hour": 3, "minute": 6}
